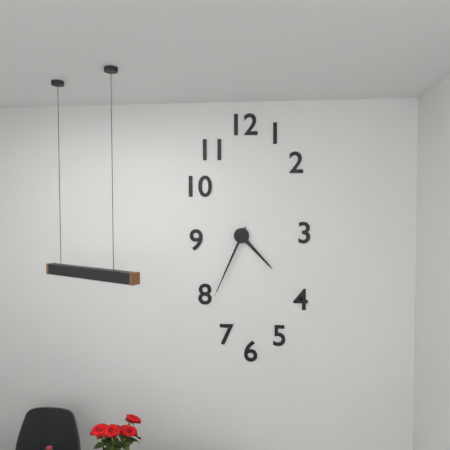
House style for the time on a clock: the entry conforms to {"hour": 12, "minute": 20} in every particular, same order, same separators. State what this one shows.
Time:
{"hour": 4, "minute": 34}
